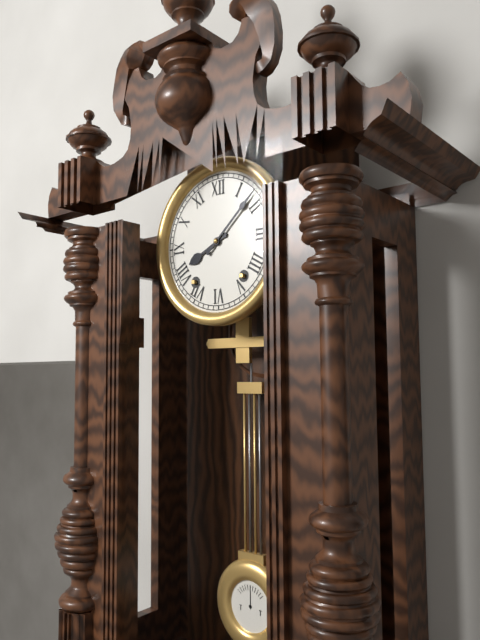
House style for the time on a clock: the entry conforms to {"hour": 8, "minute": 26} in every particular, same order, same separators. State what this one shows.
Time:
{"hour": 8, "minute": 8}
